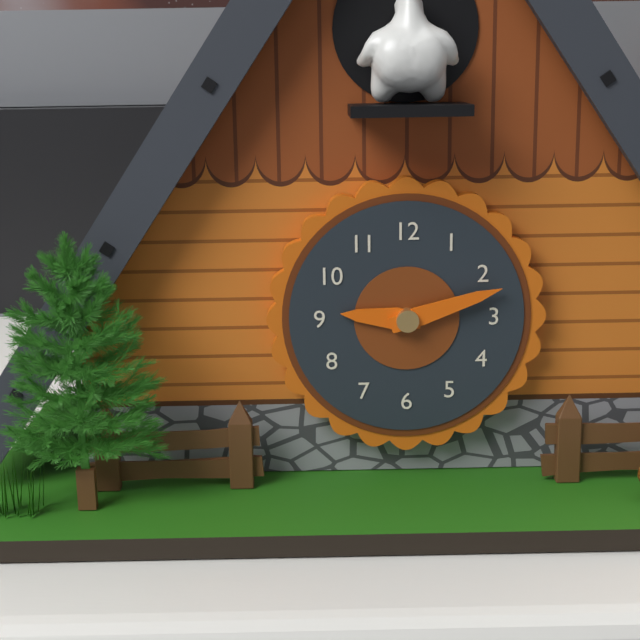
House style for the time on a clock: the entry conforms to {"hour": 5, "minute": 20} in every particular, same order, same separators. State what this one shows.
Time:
{"hour": 9, "minute": 12}
